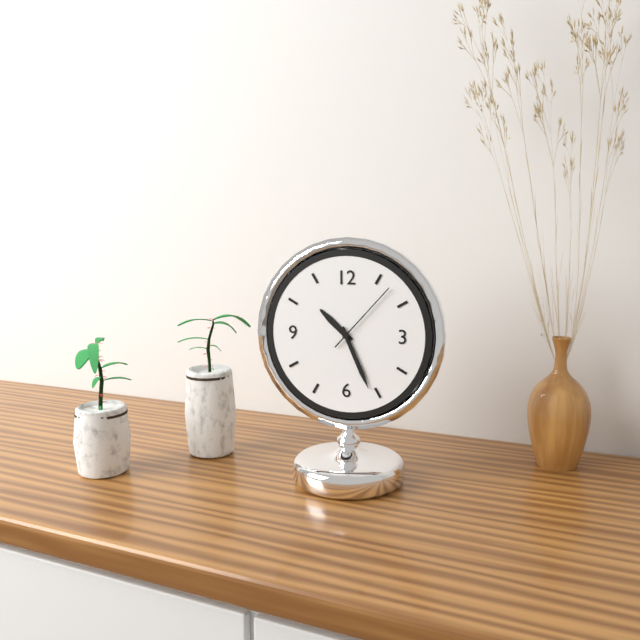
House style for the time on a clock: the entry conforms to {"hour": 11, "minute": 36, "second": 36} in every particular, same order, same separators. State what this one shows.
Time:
{"hour": 10, "minute": 26, "second": 7}
